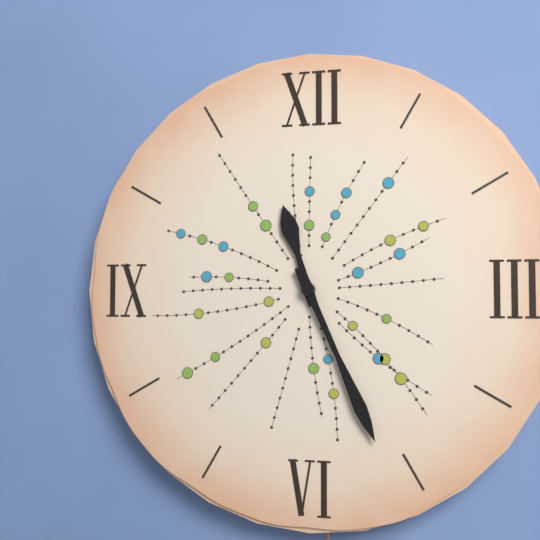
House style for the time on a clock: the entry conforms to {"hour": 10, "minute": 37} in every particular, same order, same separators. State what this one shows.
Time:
{"hour": 11, "minute": 26}
